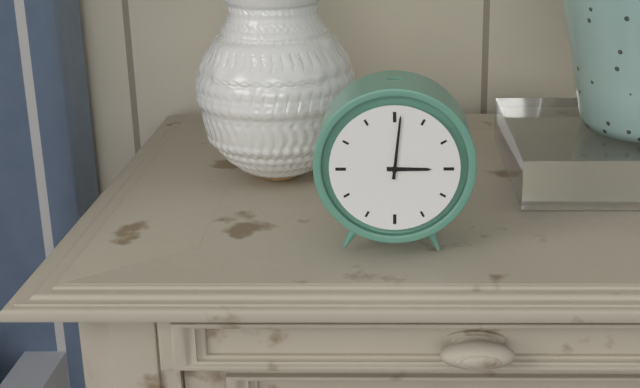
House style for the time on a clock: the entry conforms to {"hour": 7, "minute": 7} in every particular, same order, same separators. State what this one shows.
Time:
{"hour": 3, "minute": 1}
